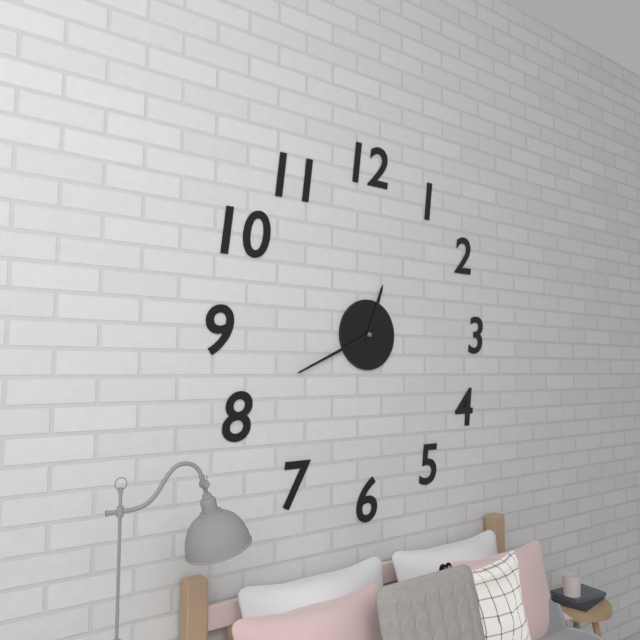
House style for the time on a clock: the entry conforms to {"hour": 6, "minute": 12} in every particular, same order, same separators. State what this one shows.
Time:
{"hour": 12, "minute": 41}
